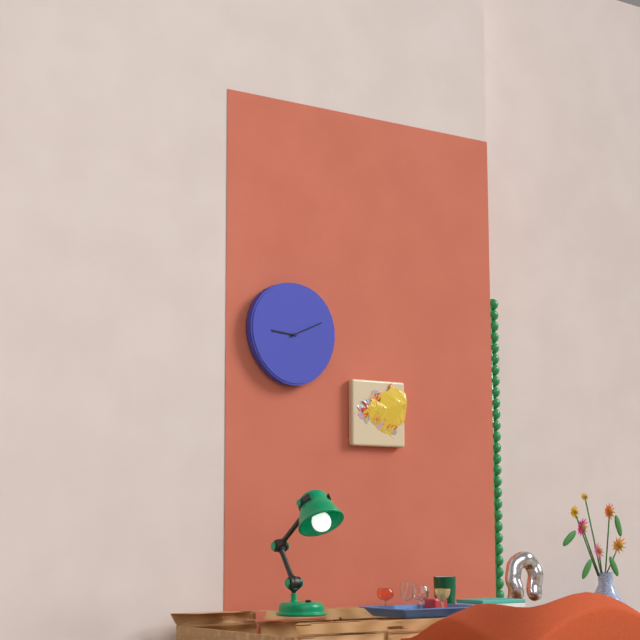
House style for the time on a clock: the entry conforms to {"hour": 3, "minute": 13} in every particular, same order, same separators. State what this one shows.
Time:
{"hour": 9, "minute": 11}
